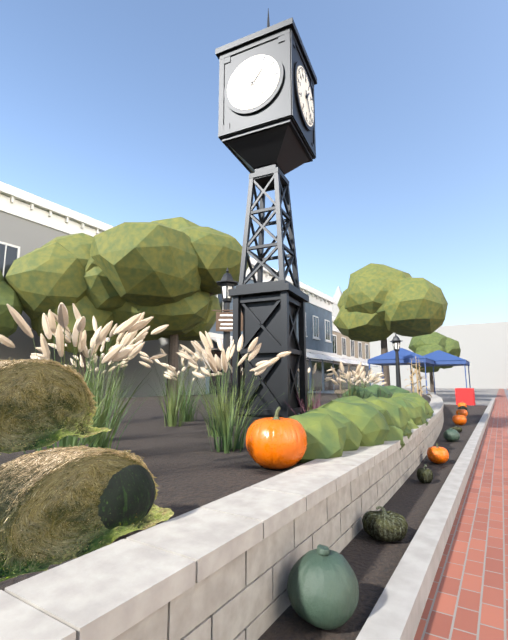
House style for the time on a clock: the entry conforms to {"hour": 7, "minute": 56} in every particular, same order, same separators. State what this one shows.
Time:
{"hour": 1, "minute": 24}
